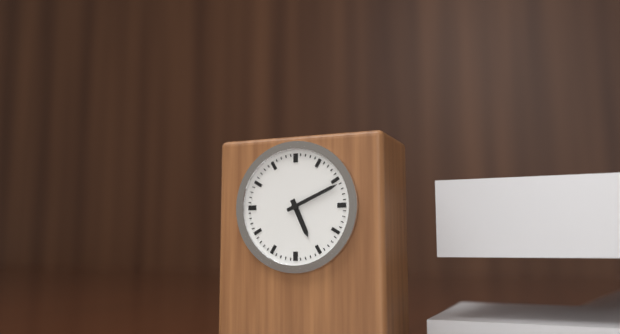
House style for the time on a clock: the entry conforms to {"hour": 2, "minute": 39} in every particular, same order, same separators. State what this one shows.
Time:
{"hour": 5, "minute": 11}
